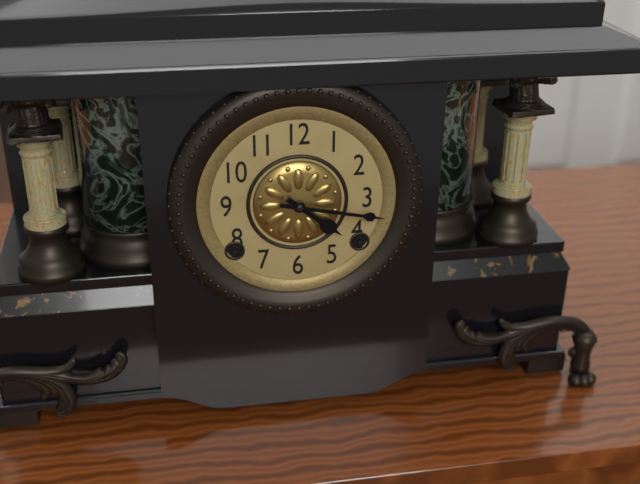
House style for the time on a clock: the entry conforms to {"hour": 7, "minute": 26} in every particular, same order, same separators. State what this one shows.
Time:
{"hour": 4, "minute": 17}
